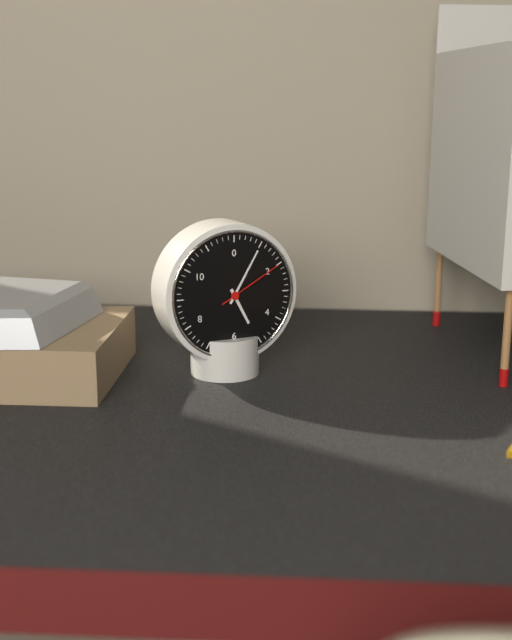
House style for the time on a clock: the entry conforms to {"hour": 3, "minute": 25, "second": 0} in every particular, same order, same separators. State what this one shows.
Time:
{"hour": 5, "minute": 5, "second": 10}
